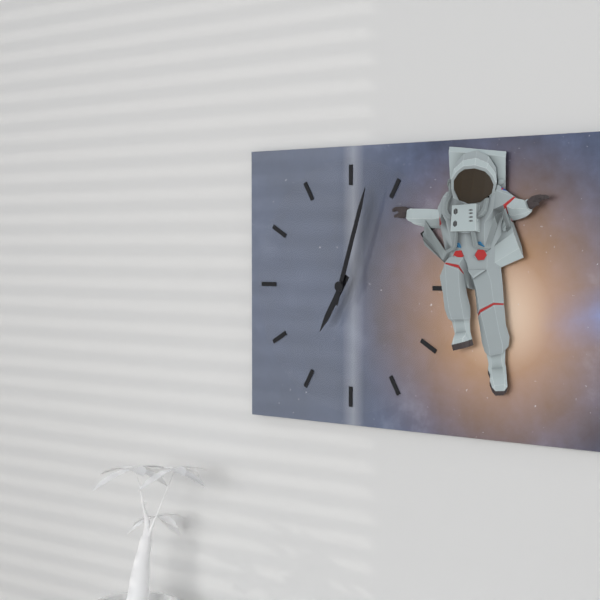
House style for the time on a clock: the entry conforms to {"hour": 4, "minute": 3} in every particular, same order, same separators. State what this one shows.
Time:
{"hour": 7, "minute": 3}
